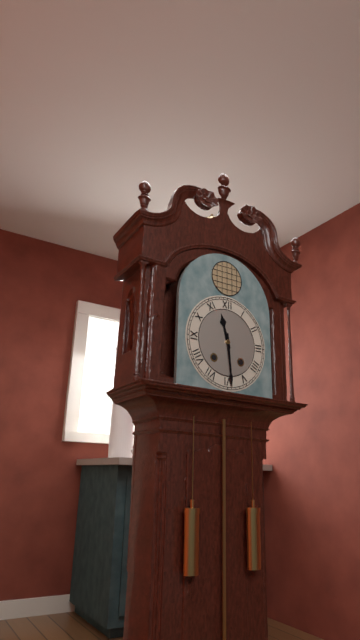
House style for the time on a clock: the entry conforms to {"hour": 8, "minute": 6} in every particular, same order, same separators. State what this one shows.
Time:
{"hour": 11, "minute": 29}
